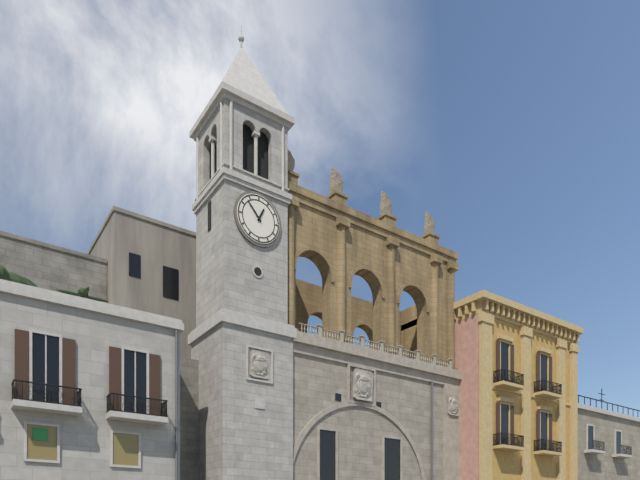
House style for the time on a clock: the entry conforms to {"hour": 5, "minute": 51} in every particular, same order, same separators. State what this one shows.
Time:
{"hour": 12, "minute": 53}
